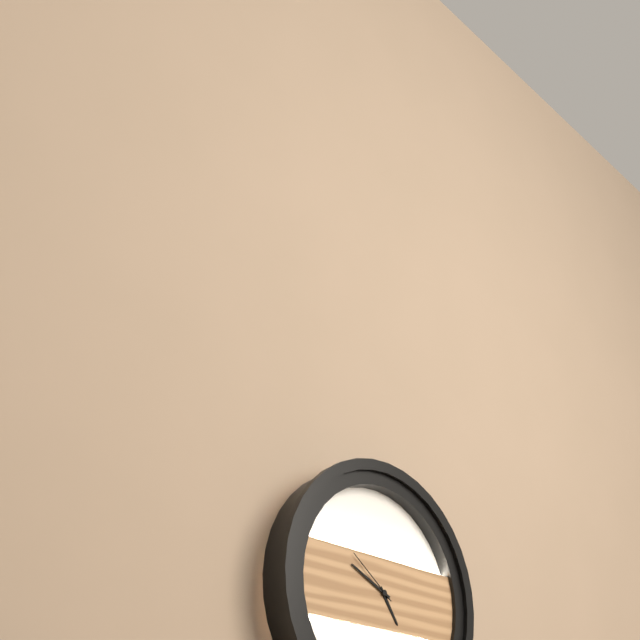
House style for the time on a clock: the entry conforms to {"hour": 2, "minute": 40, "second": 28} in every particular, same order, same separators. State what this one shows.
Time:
{"hour": 4, "minute": 49, "second": 51}
